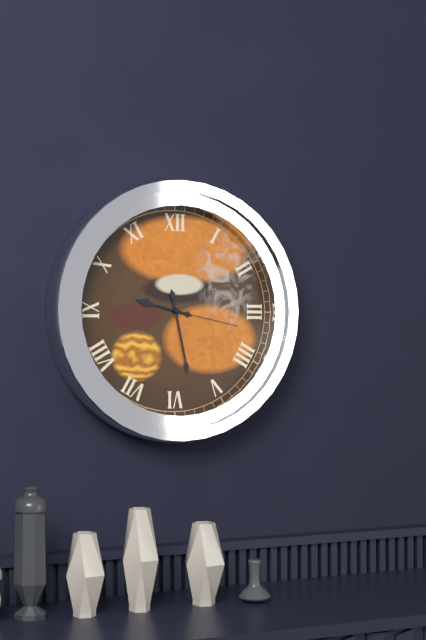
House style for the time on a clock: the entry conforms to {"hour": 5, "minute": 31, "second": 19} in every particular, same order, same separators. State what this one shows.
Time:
{"hour": 9, "minute": 28, "second": 17}
